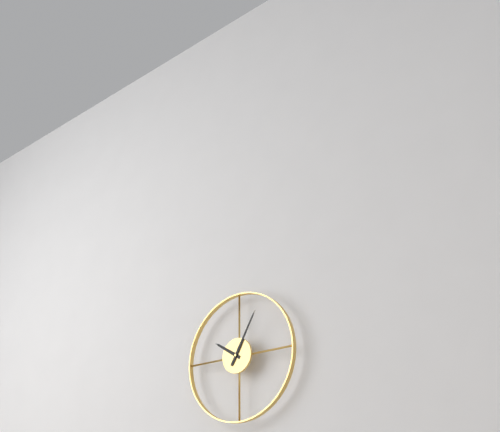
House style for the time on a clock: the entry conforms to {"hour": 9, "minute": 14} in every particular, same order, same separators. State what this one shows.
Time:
{"hour": 10, "minute": 5}
